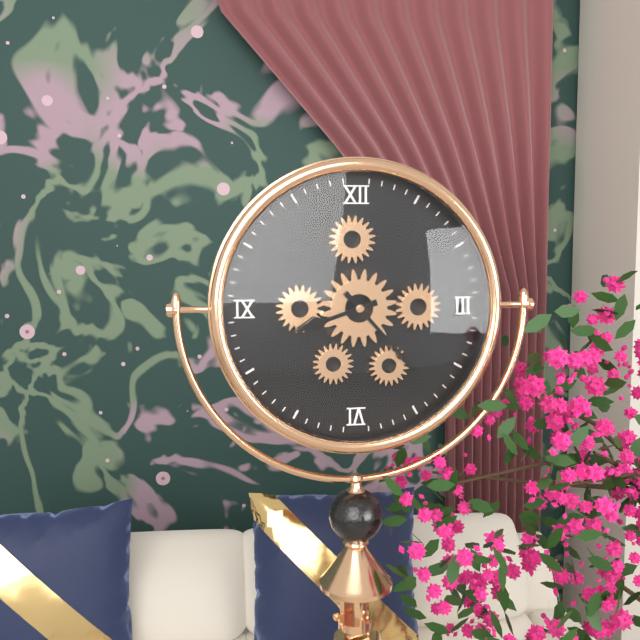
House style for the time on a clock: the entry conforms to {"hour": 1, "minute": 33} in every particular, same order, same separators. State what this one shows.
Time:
{"hour": 8, "minute": 23}
